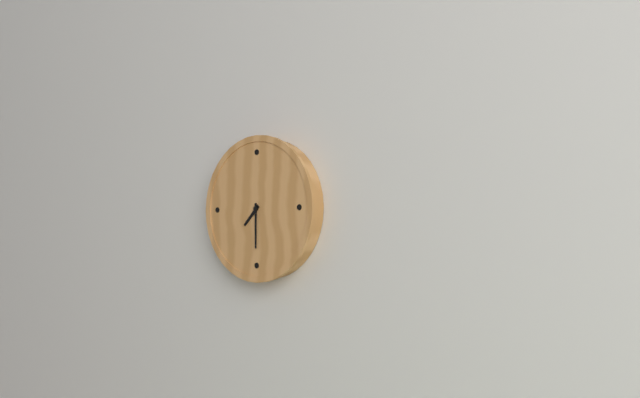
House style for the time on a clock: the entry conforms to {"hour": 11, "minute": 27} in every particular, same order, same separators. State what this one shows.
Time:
{"hour": 7, "minute": 30}
